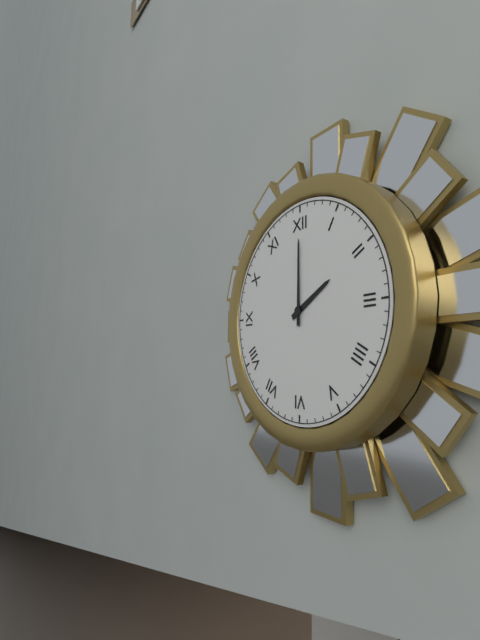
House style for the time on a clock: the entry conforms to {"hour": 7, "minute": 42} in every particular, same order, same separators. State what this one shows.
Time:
{"hour": 2, "minute": 0}
